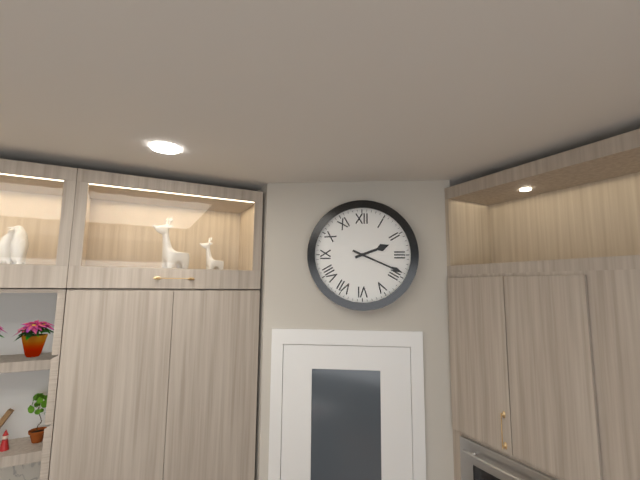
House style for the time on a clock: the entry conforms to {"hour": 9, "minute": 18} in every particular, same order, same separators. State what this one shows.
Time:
{"hour": 2, "minute": 19}
